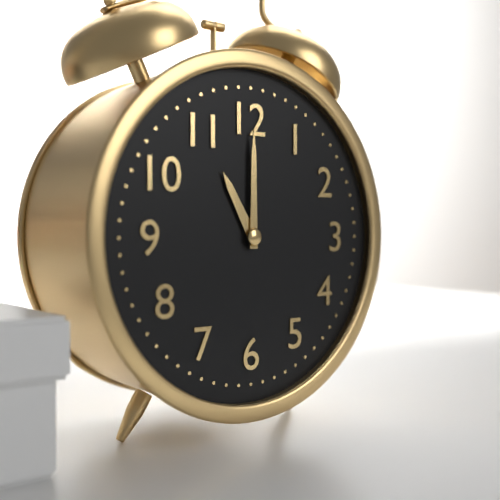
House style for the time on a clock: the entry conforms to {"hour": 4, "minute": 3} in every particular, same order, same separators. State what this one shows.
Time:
{"hour": 11, "minute": 0}
